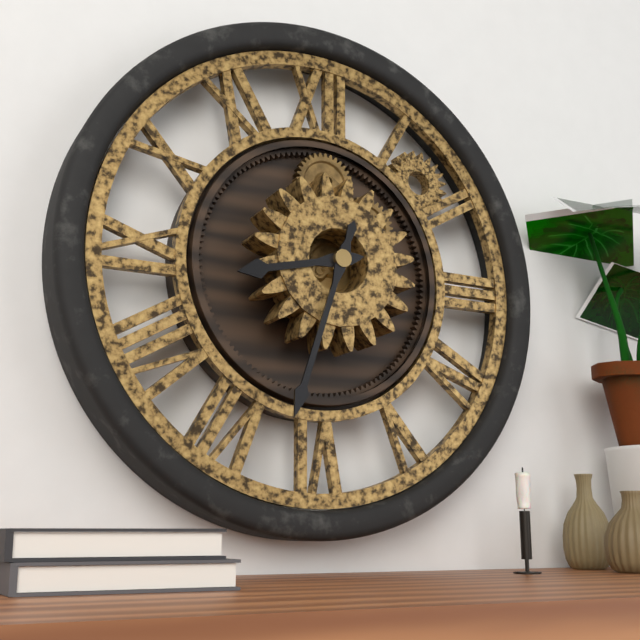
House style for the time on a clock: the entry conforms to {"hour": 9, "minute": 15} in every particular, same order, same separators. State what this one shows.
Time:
{"hour": 8, "minute": 33}
